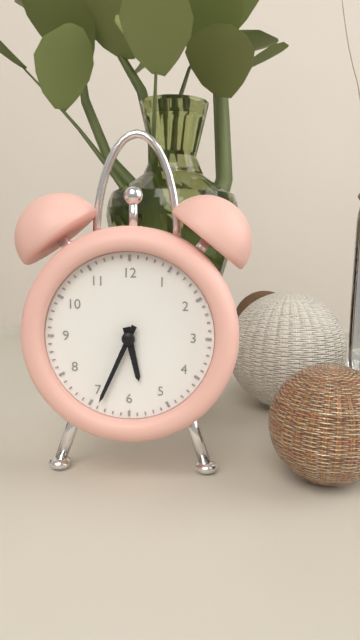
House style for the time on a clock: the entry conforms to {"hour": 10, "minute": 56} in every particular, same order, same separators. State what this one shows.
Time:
{"hour": 5, "minute": 34}
